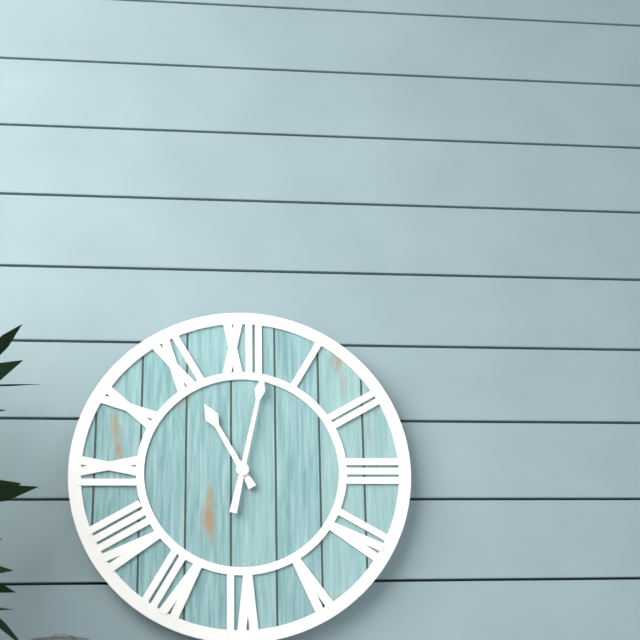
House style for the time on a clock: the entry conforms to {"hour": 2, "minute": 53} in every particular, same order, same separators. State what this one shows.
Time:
{"hour": 11, "minute": 2}
